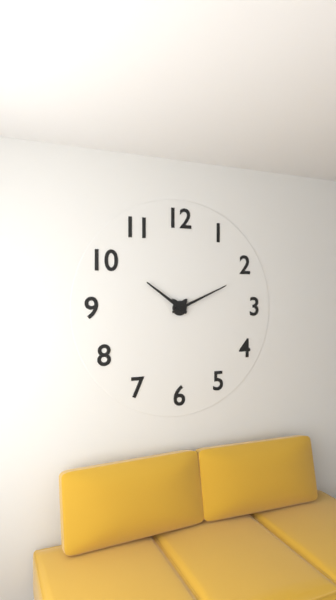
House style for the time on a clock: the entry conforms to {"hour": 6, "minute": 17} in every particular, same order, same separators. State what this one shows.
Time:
{"hour": 10, "minute": 11}
